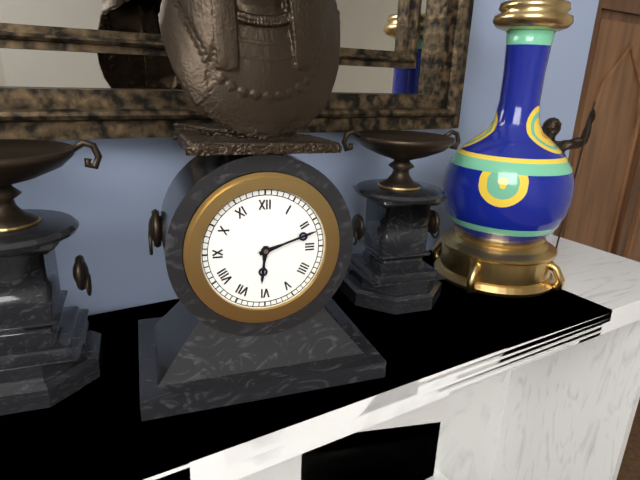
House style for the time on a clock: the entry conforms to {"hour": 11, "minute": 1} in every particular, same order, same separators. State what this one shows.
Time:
{"hour": 6, "minute": 12}
